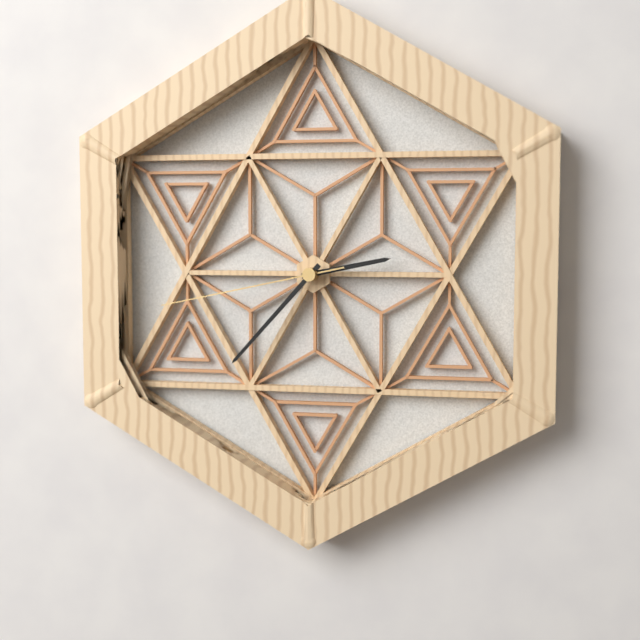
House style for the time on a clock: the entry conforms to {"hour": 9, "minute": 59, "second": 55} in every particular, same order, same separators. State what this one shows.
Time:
{"hour": 2, "minute": 37, "second": 43}
